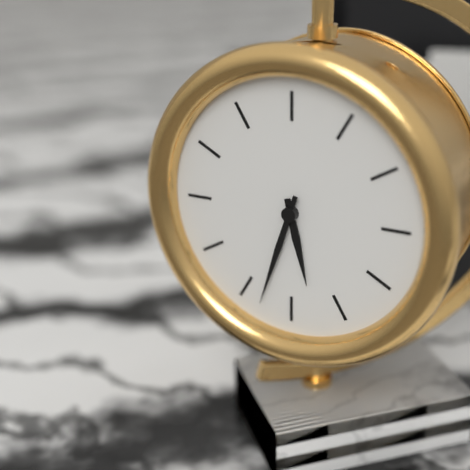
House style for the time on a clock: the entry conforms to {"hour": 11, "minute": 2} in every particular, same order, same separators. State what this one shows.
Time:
{"hour": 5, "minute": 33}
